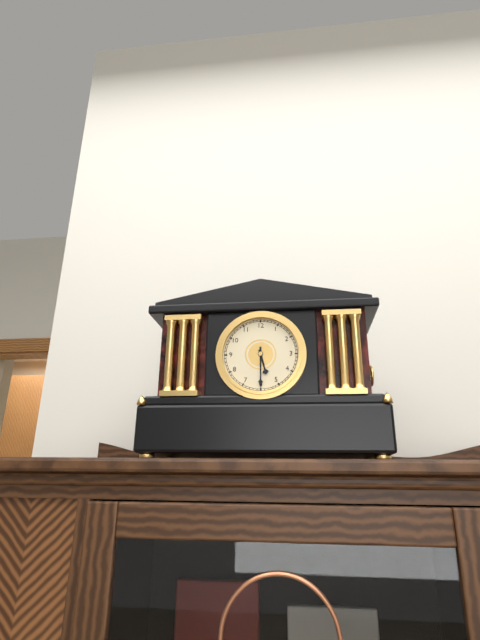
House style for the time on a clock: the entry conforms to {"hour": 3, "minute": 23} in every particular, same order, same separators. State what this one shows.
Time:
{"hour": 5, "minute": 30}
